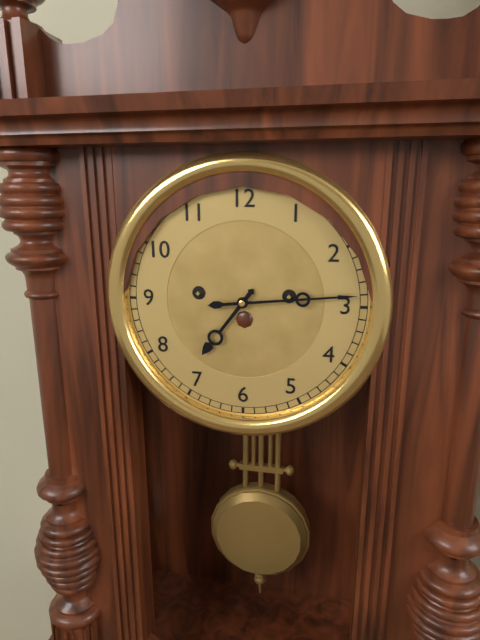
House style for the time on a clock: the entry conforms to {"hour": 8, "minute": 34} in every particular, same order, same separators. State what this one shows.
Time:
{"hour": 7, "minute": 14}
